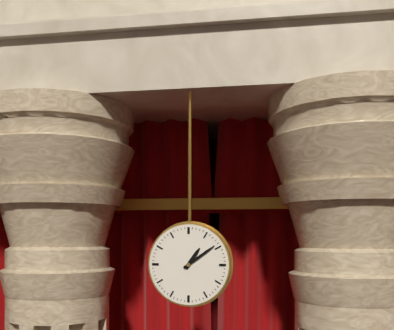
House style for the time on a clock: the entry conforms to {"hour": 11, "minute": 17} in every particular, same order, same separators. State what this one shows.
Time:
{"hour": 1, "minute": 9}
